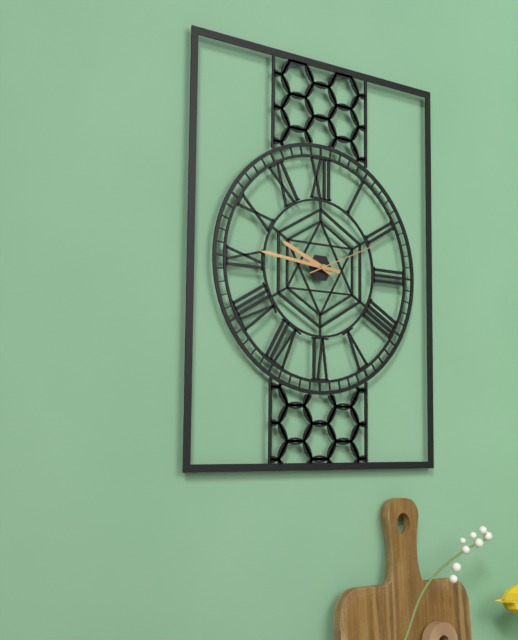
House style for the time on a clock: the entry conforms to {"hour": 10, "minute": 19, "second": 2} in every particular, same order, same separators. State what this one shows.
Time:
{"hour": 9, "minute": 46, "second": 11}
